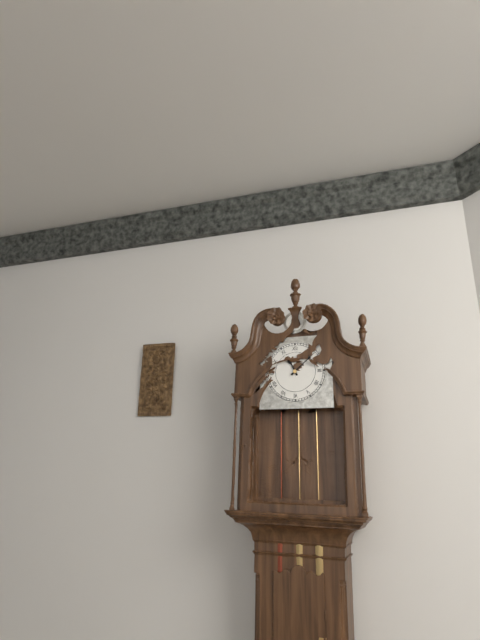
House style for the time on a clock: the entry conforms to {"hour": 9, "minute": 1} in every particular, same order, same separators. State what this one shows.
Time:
{"hour": 11, "minute": 8}
